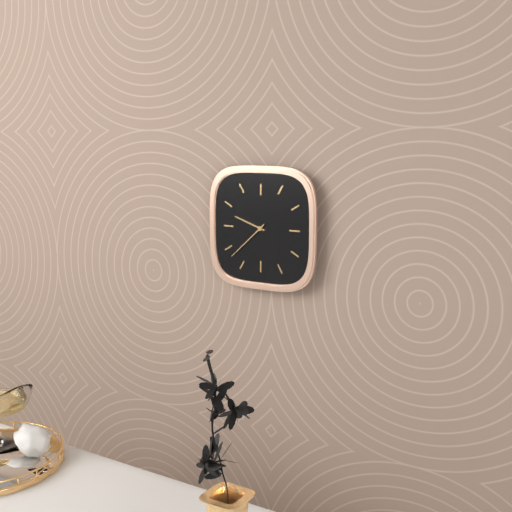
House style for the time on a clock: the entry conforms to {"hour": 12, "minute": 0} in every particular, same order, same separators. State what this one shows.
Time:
{"hour": 9, "minute": 38}
